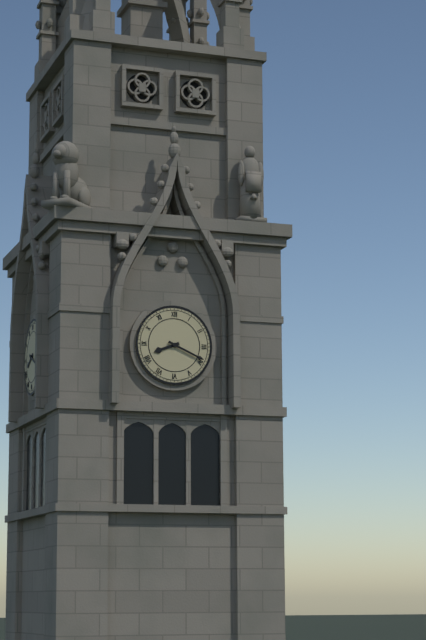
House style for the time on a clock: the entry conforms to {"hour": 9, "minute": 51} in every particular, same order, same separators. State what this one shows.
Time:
{"hour": 8, "minute": 19}
